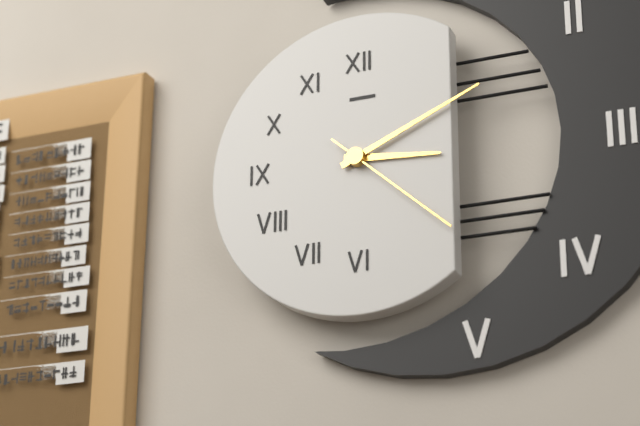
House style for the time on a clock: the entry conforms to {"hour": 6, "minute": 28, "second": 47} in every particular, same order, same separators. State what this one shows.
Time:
{"hour": 3, "minute": 11, "second": 22}
